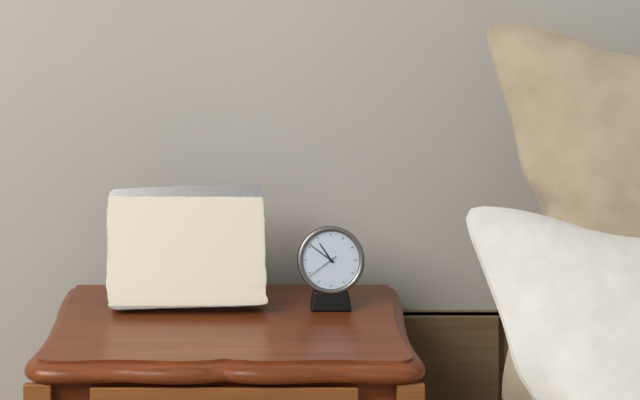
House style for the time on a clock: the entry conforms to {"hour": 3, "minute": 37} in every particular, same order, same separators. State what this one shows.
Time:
{"hour": 10, "minute": 51}
